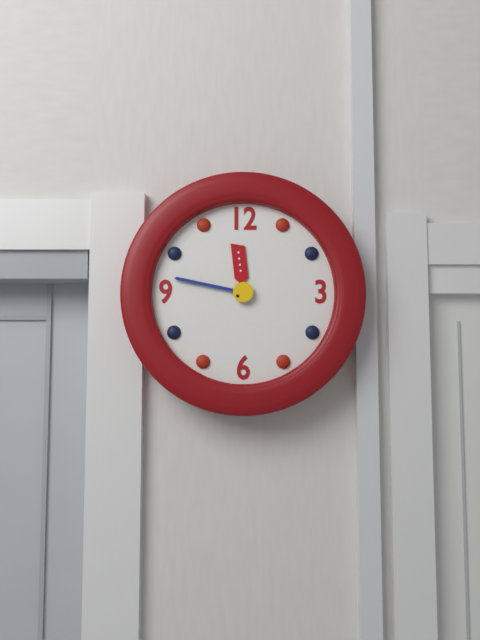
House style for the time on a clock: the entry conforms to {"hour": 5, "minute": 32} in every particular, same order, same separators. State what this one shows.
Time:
{"hour": 11, "minute": 47}
